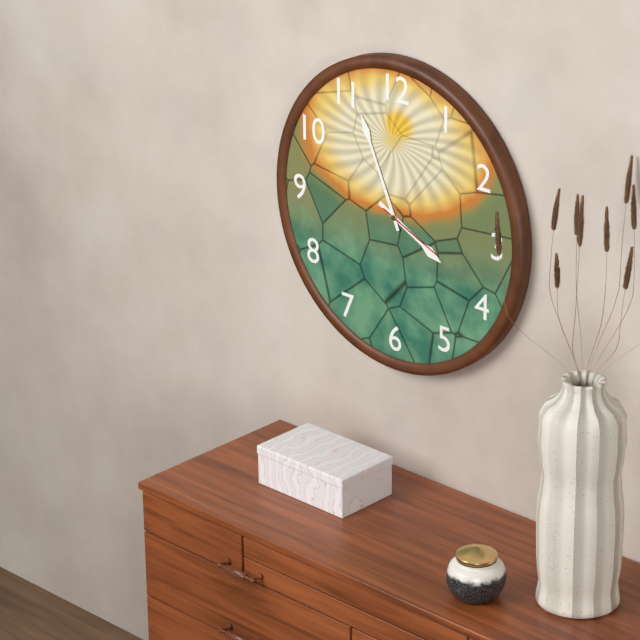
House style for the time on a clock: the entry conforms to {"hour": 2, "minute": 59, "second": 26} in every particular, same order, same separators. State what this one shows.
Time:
{"hour": 3, "minute": 56, "second": 19}
